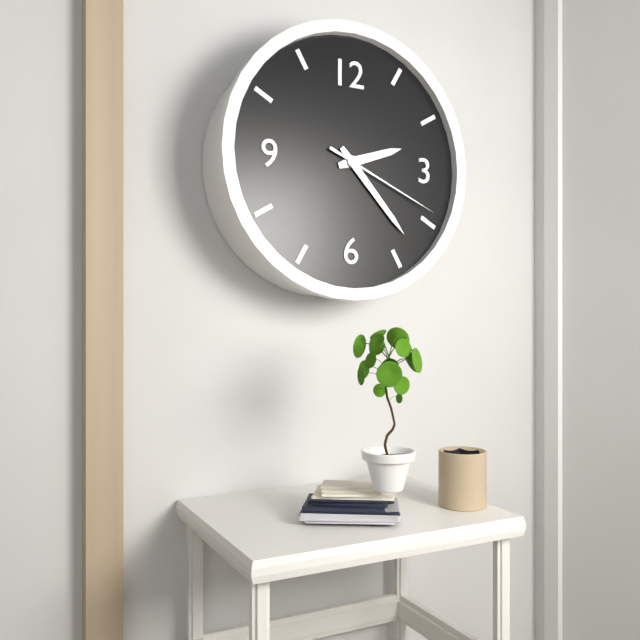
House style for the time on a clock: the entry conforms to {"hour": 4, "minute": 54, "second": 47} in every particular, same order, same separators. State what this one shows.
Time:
{"hour": 2, "minute": 23, "second": 19}
